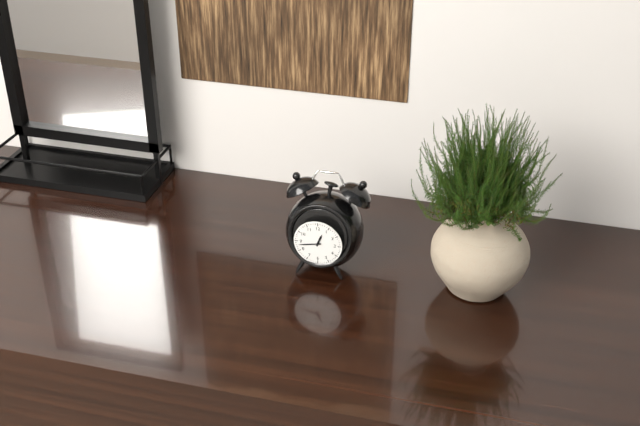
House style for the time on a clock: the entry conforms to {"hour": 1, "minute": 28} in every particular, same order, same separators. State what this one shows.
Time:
{"hour": 12, "minute": 43}
